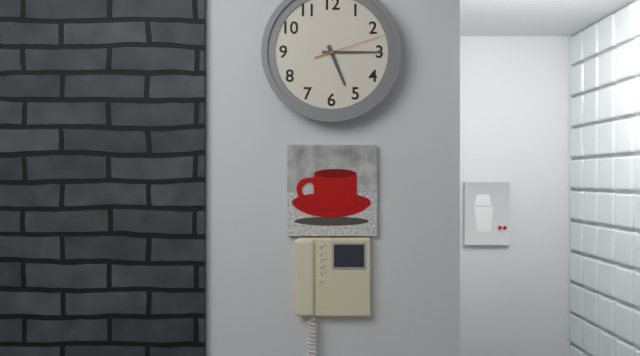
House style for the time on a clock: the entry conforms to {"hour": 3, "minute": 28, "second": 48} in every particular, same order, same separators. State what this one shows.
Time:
{"hour": 5, "minute": 15, "second": 12}
